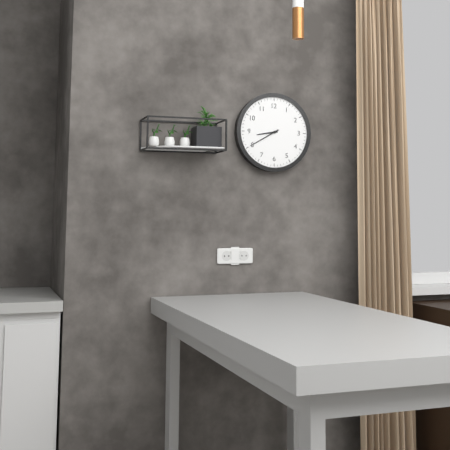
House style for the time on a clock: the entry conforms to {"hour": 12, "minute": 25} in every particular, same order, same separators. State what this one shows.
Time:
{"hour": 8, "minute": 40}
